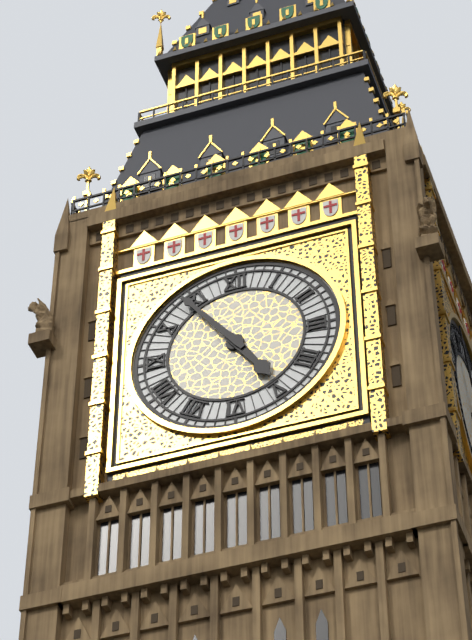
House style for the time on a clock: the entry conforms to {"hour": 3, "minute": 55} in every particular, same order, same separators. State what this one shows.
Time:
{"hour": 4, "minute": 54}
